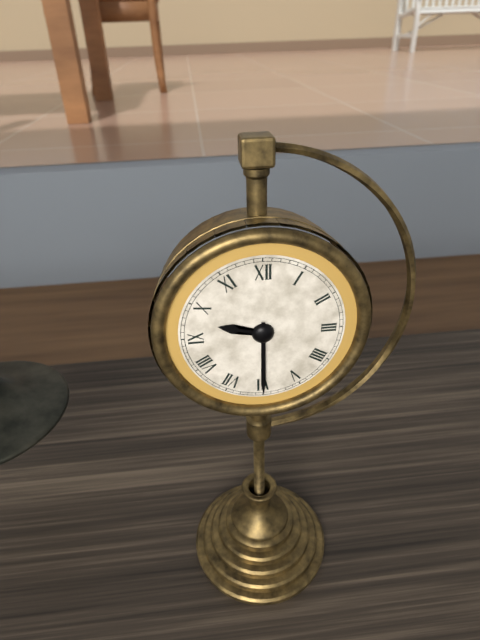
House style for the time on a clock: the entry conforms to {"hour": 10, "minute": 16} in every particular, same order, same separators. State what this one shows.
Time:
{"hour": 9, "minute": 30}
